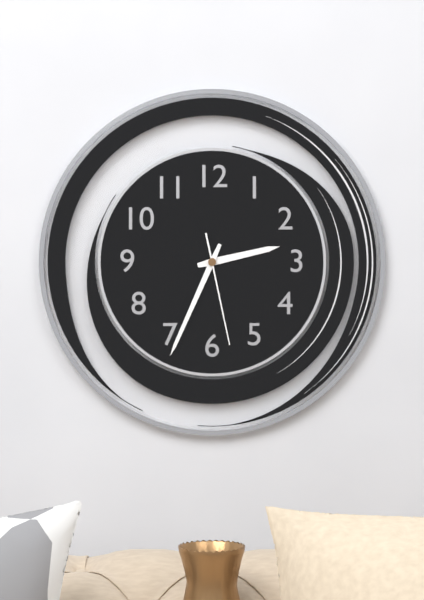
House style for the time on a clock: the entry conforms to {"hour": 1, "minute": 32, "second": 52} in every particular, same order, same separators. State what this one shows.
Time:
{"hour": 2, "minute": 34, "second": 28}
